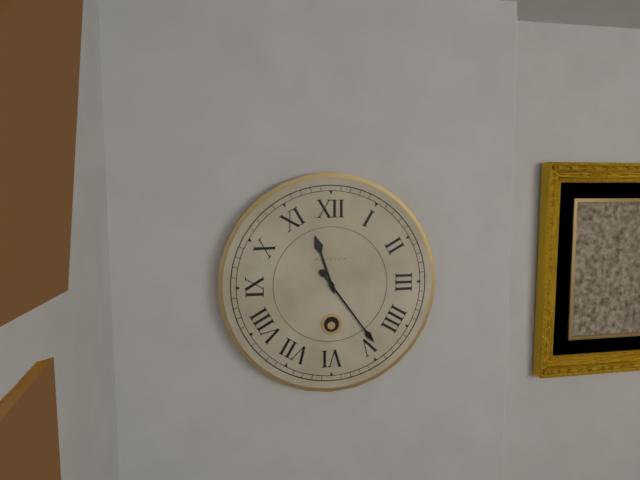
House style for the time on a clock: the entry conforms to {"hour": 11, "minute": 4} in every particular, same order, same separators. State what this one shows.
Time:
{"hour": 11, "minute": 24}
